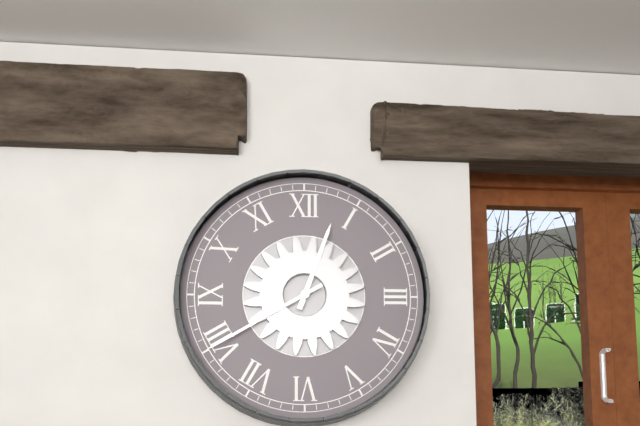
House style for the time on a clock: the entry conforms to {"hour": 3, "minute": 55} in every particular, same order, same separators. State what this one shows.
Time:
{"hour": 12, "minute": 40}
